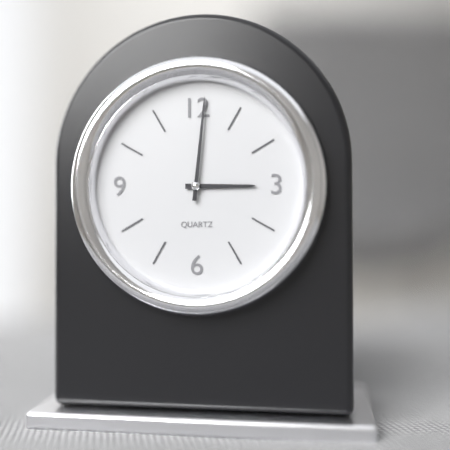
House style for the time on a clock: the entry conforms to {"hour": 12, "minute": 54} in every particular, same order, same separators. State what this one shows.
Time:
{"hour": 3, "minute": 1}
